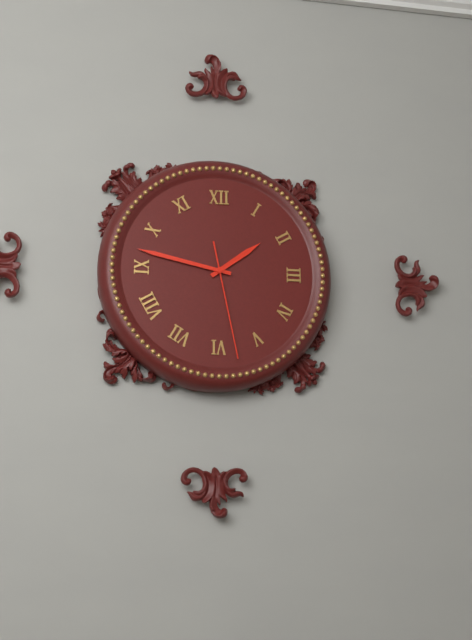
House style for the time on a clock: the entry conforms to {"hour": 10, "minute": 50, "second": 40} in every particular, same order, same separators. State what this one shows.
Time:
{"hour": 1, "minute": 47, "second": 28}
